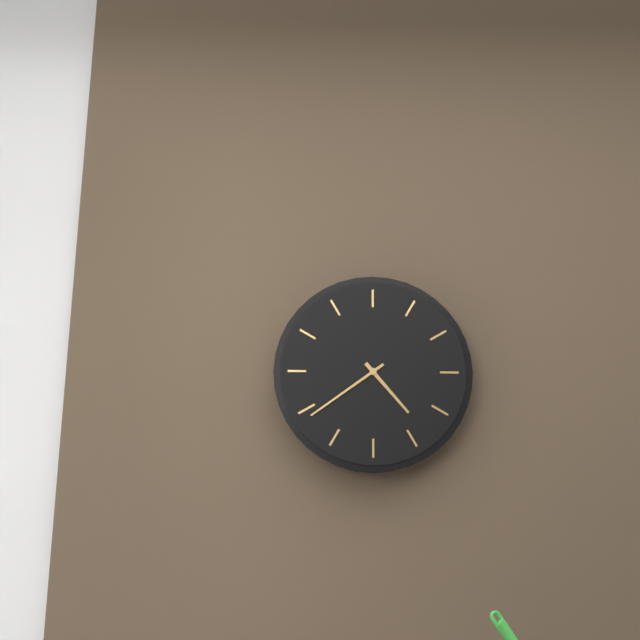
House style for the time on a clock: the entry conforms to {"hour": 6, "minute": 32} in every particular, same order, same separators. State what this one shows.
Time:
{"hour": 4, "minute": 39}
